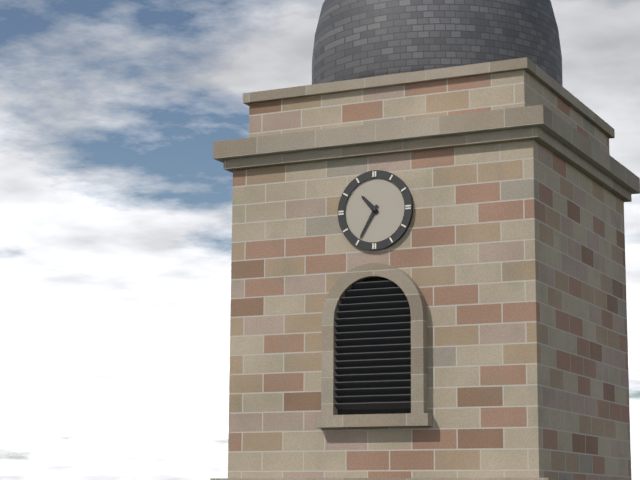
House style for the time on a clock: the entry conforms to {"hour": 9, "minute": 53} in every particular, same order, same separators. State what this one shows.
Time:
{"hour": 10, "minute": 35}
